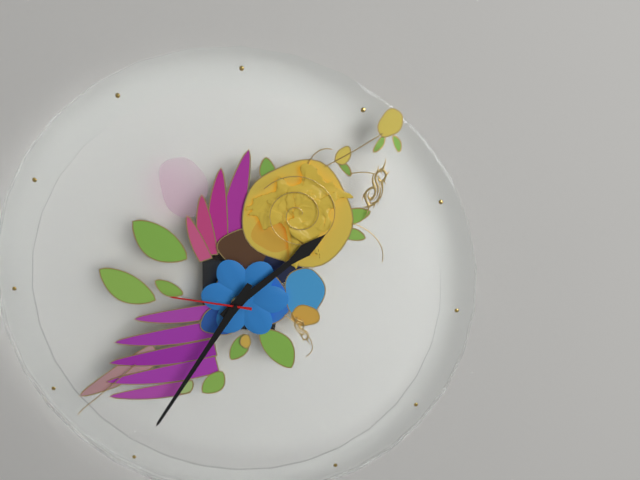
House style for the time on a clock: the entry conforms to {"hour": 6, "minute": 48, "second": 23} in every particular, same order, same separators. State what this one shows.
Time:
{"hour": 1, "minute": 35, "second": 46}
